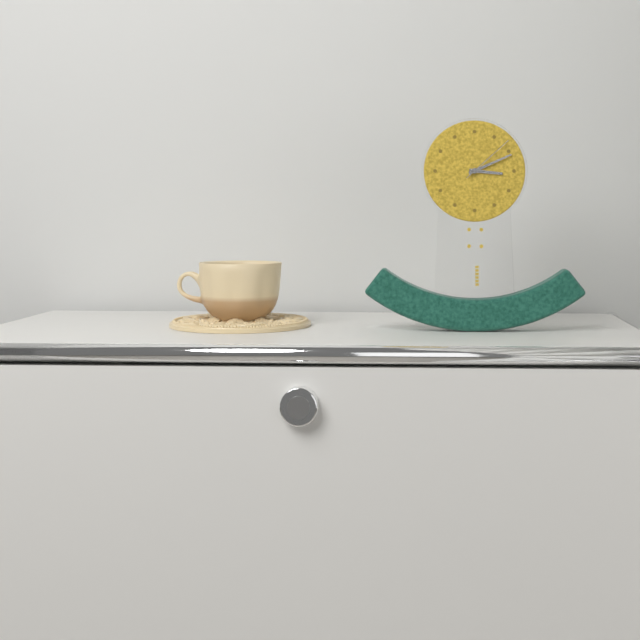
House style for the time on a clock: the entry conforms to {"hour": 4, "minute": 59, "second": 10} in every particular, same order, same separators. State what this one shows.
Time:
{"hour": 3, "minute": 11, "second": 8}
